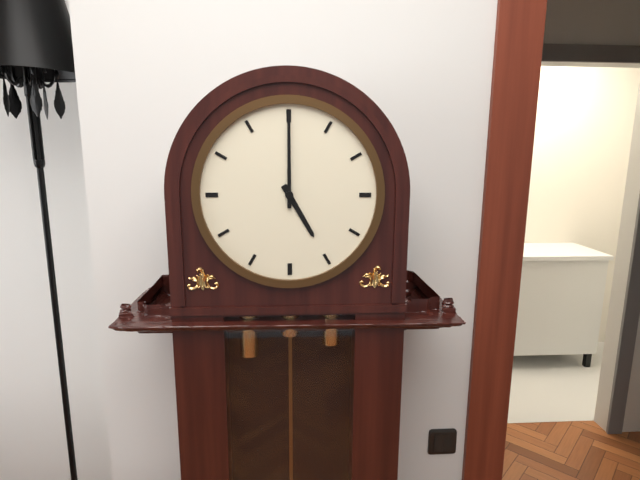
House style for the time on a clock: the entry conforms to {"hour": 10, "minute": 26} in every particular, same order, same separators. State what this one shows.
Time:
{"hour": 5, "minute": 0}
